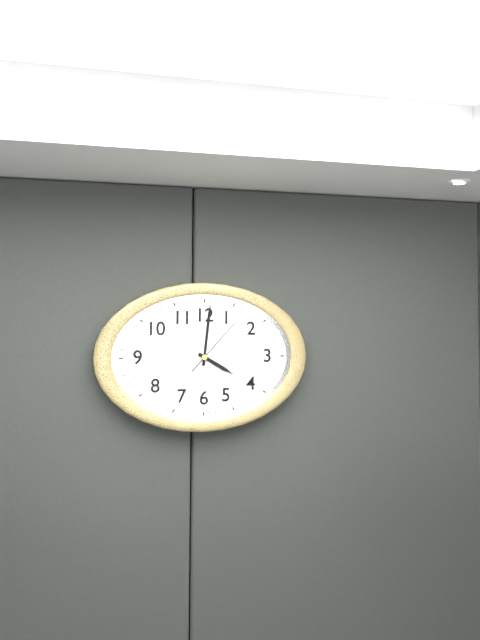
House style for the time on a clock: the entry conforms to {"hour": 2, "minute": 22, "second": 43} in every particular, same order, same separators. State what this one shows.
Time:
{"hour": 4, "minute": 1, "second": 7}
